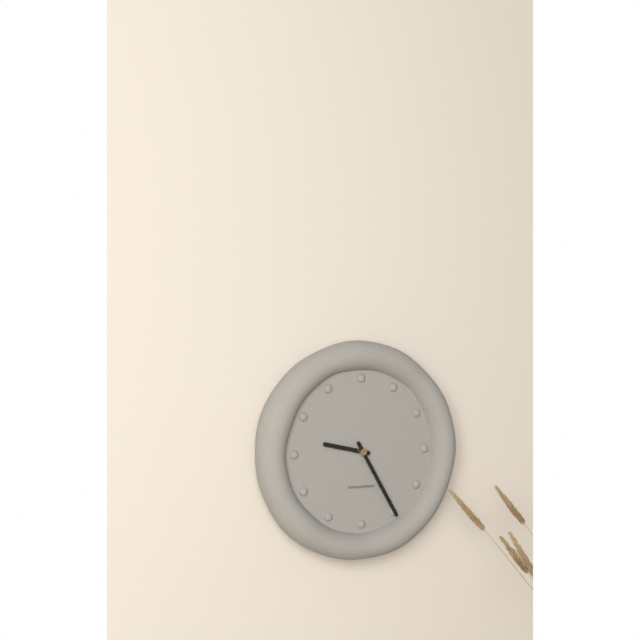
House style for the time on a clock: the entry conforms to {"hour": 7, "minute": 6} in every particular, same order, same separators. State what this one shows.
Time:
{"hour": 9, "minute": 25}
